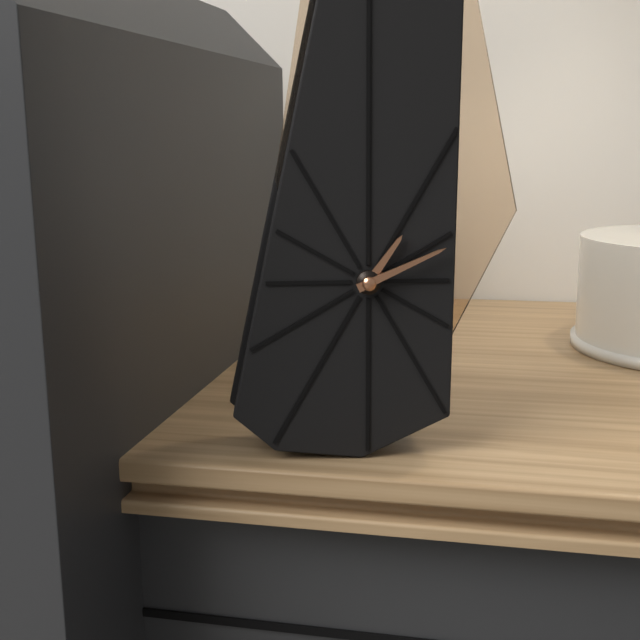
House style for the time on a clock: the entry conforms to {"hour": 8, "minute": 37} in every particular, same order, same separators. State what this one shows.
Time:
{"hour": 1, "minute": 11}
